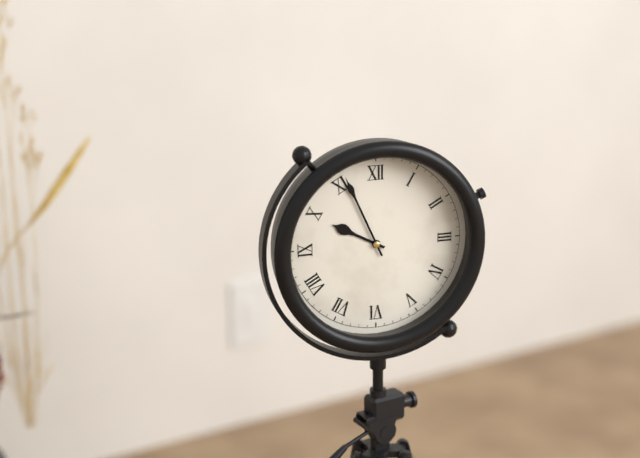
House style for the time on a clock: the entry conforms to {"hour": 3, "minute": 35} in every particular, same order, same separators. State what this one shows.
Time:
{"hour": 9, "minute": 56}
